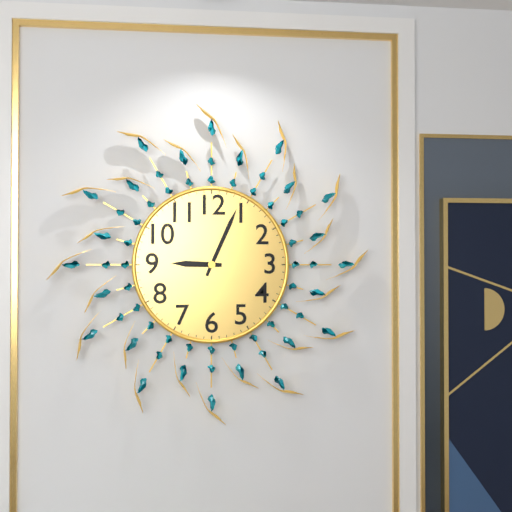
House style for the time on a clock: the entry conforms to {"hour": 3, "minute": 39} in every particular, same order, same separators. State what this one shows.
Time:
{"hour": 9, "minute": 4}
